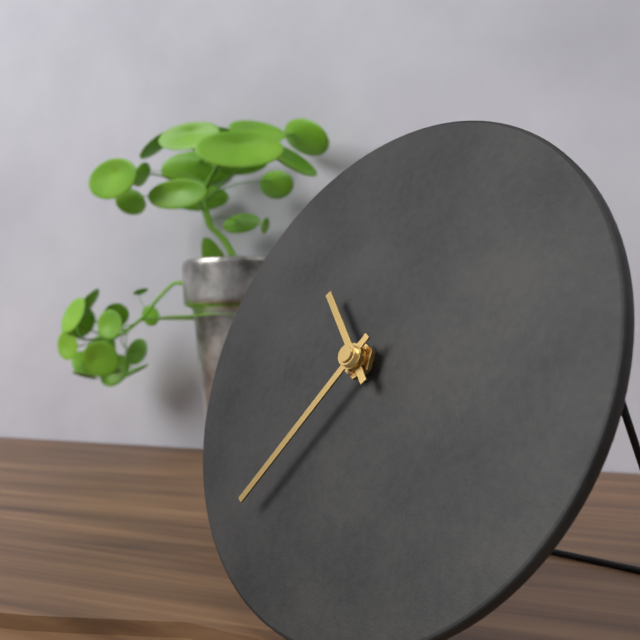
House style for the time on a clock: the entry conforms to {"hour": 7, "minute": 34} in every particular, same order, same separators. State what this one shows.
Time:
{"hour": 10, "minute": 36}
